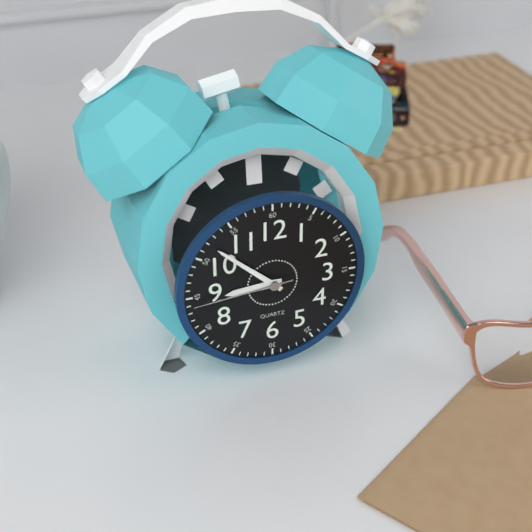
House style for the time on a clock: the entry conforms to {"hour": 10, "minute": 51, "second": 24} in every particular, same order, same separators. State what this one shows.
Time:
{"hour": 8, "minute": 52, "second": 44}
